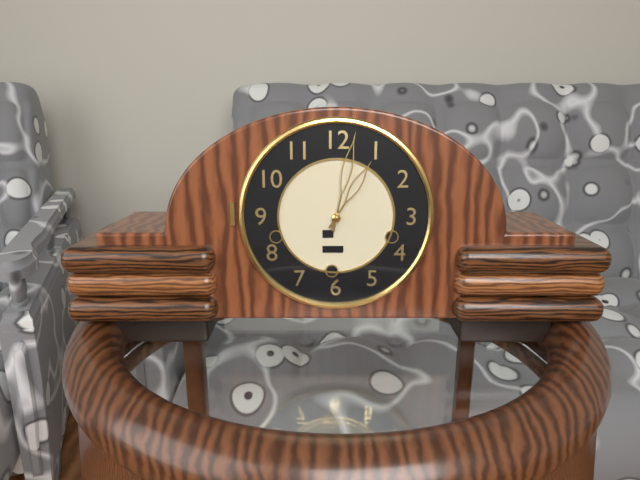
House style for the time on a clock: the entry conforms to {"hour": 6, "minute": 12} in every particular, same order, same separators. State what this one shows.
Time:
{"hour": 1, "minute": 2}
